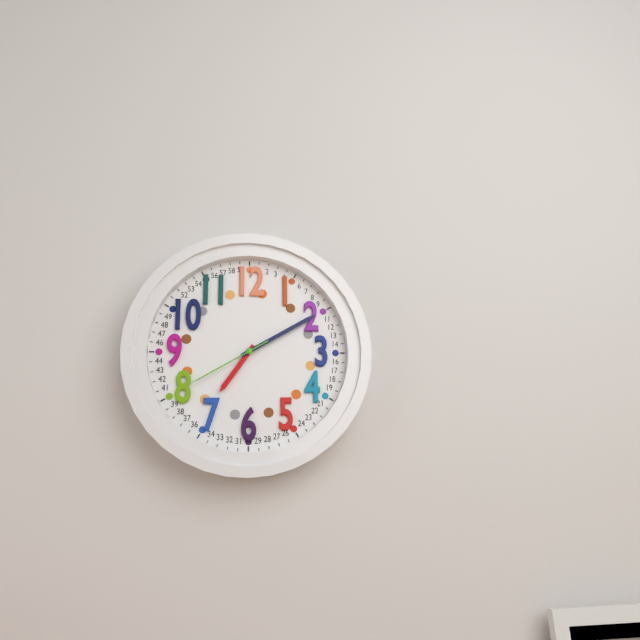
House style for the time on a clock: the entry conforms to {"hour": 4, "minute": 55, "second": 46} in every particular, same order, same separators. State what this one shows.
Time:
{"hour": 7, "minute": 10, "second": 40}
